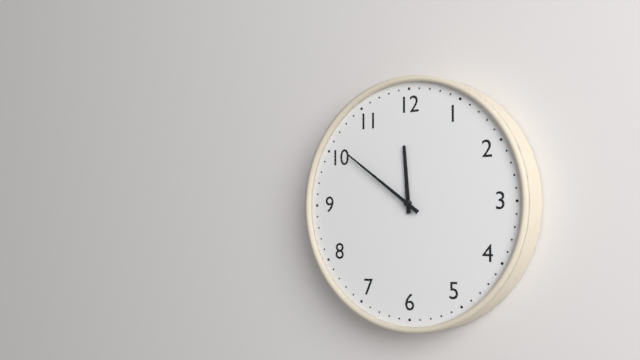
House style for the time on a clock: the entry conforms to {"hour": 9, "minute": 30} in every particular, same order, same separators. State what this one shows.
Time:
{"hour": 11, "minute": 51}
